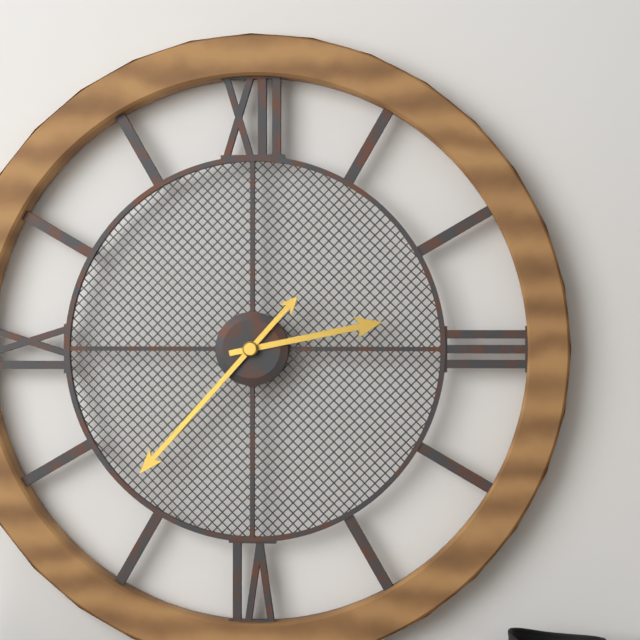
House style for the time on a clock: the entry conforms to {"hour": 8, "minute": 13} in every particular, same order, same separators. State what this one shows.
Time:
{"hour": 2, "minute": 37}
